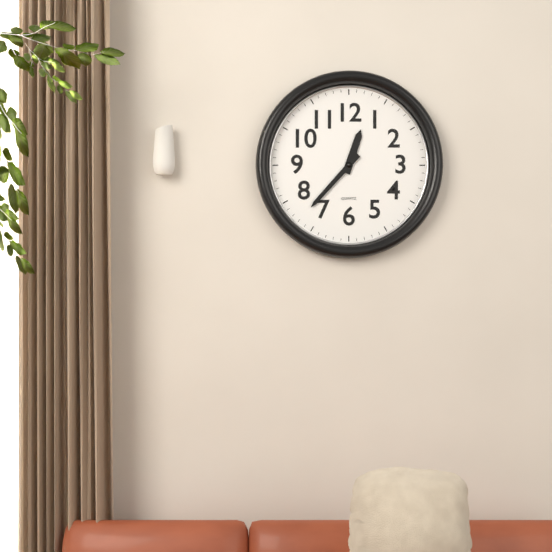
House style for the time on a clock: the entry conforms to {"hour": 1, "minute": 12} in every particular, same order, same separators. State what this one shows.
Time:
{"hour": 12, "minute": 37}
